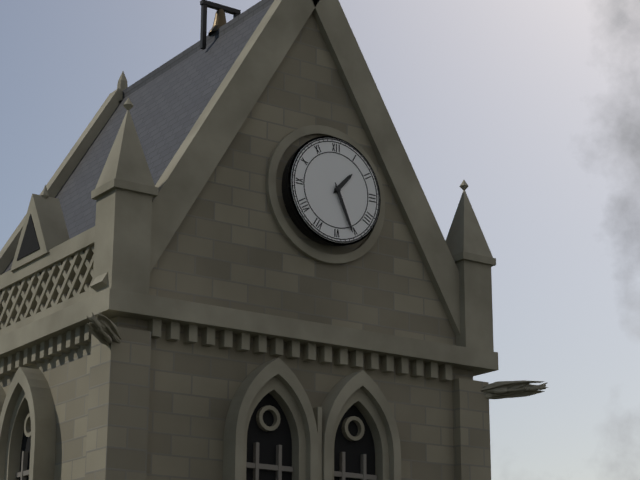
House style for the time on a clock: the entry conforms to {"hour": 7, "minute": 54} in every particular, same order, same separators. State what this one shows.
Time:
{"hour": 1, "minute": 26}
